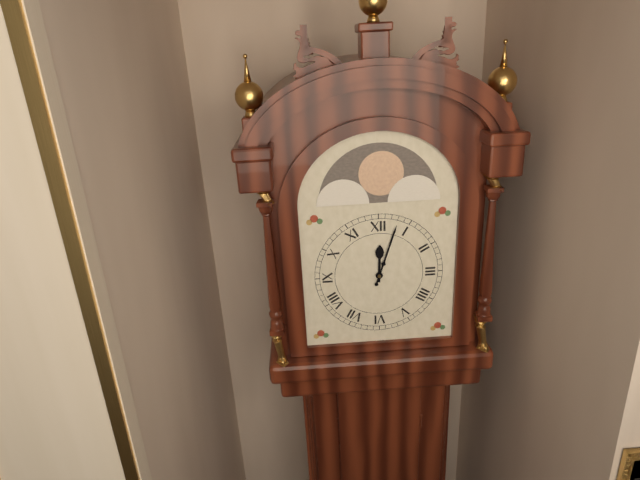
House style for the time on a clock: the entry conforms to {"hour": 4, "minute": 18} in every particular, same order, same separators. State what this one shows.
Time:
{"hour": 12, "minute": 3}
